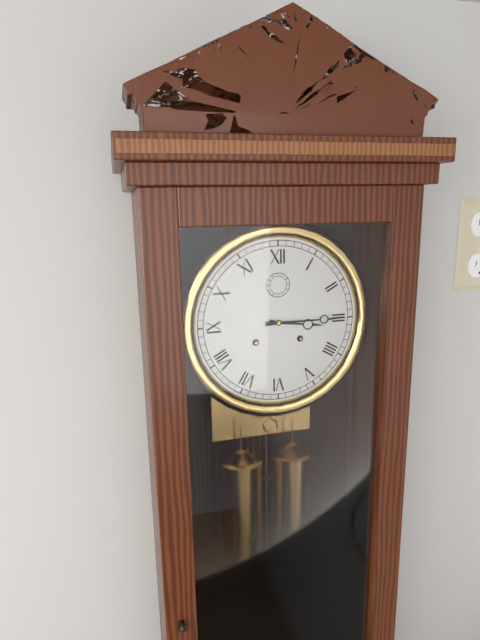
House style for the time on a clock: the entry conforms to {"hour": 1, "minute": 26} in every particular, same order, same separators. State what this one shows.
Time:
{"hour": 3, "minute": 15}
